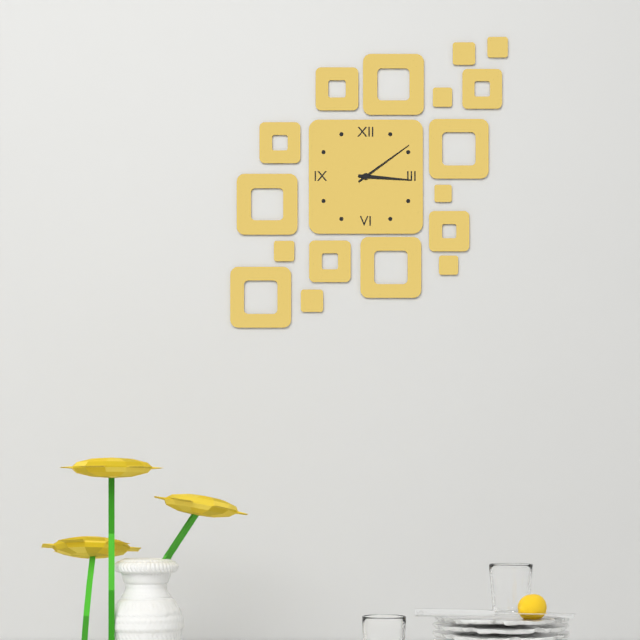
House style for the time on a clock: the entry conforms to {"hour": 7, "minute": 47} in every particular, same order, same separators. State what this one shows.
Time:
{"hour": 3, "minute": 9}
